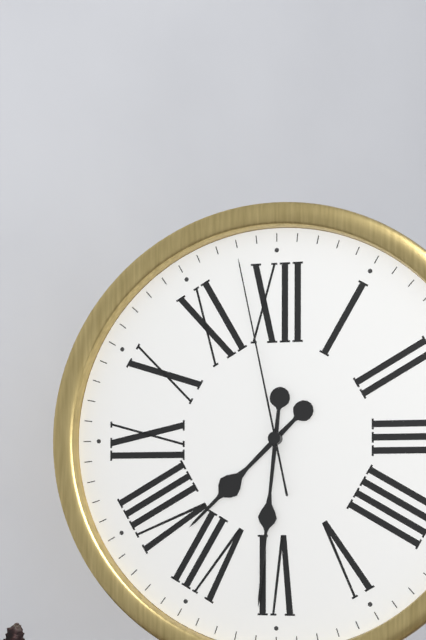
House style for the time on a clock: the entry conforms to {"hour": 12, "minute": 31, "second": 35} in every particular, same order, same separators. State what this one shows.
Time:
{"hour": 7, "minute": 31, "second": 58}
